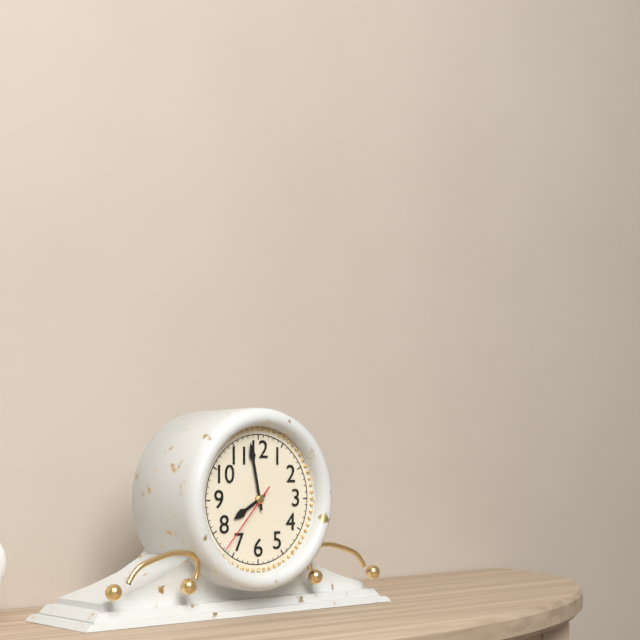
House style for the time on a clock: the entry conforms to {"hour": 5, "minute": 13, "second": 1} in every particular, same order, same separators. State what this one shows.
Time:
{"hour": 7, "minute": 58, "second": 37}
